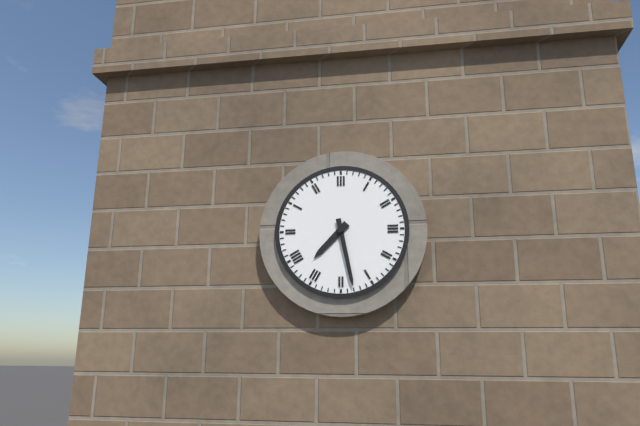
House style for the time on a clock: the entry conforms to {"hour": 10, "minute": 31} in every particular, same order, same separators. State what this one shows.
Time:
{"hour": 7, "minute": 28}
